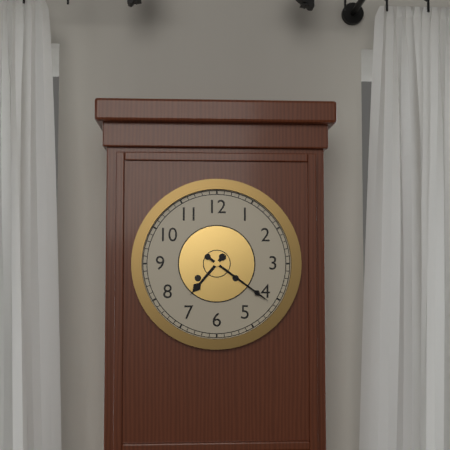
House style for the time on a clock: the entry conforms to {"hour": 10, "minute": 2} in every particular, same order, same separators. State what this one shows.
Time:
{"hour": 7, "minute": 21}
